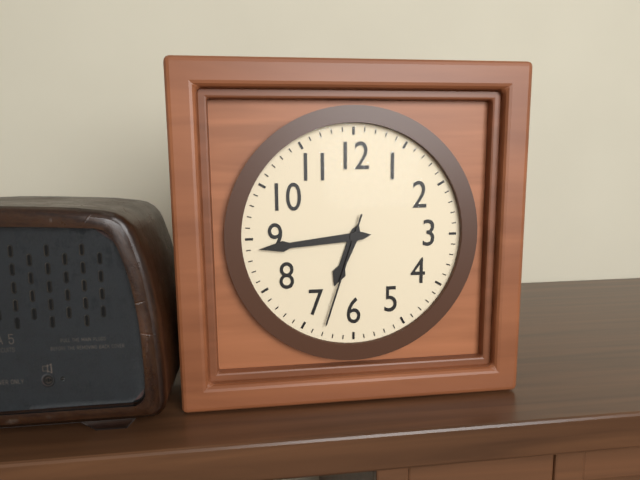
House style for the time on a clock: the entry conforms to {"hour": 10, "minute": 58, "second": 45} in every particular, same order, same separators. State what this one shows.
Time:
{"hour": 6, "minute": 44, "second": 33}
